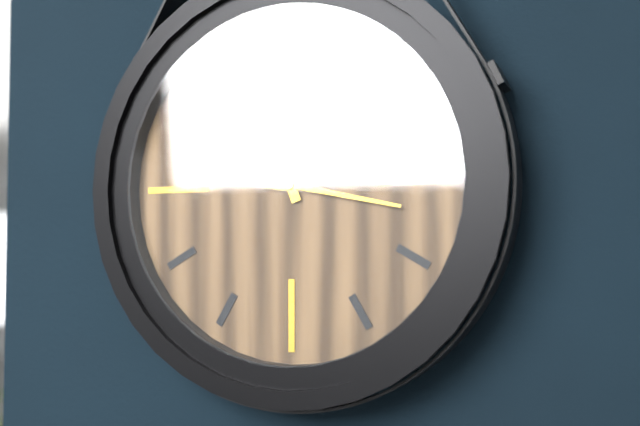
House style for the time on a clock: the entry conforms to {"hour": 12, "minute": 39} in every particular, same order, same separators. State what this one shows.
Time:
{"hour": 11, "minute": 17}
